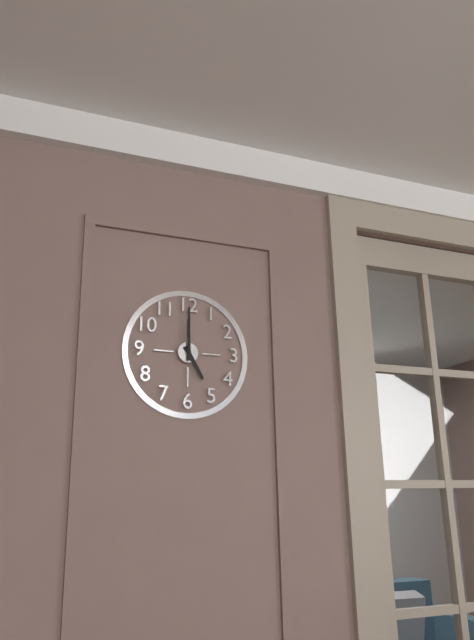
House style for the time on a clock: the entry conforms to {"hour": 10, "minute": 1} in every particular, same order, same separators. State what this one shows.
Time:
{"hour": 5, "minute": 0}
